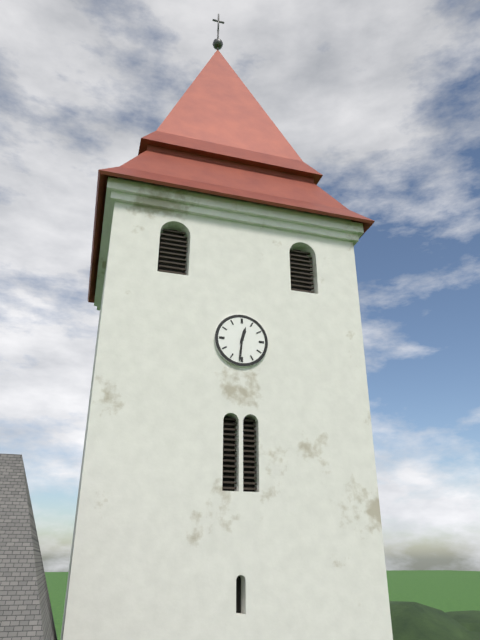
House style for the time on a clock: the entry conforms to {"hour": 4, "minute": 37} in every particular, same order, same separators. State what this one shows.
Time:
{"hour": 12, "minute": 31}
